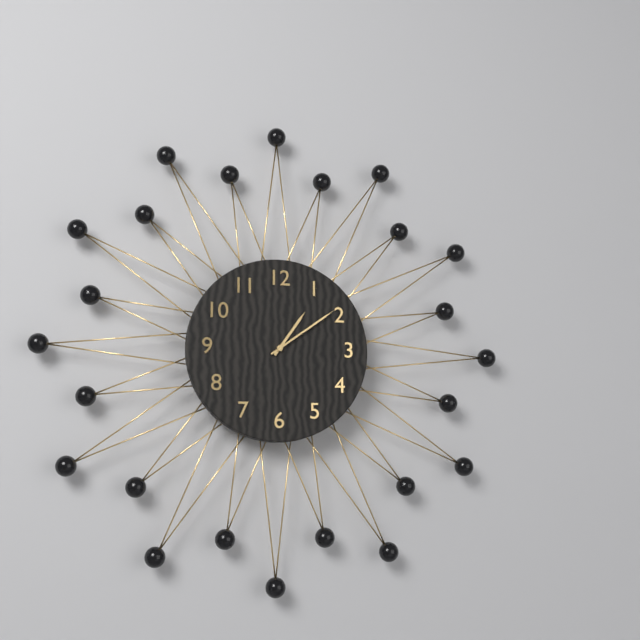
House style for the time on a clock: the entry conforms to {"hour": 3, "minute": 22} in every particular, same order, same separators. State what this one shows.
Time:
{"hour": 1, "minute": 9}
